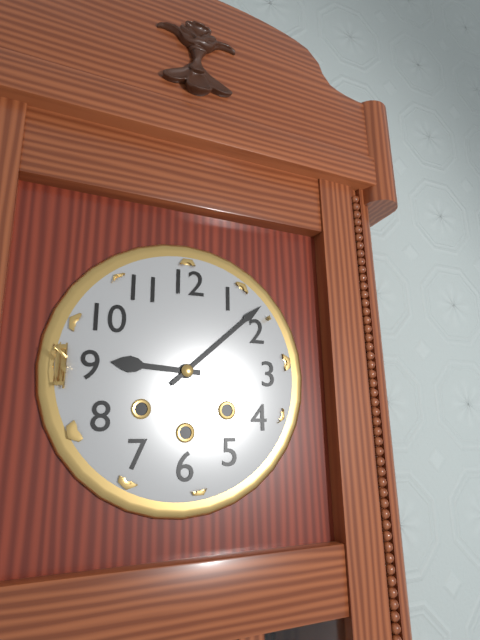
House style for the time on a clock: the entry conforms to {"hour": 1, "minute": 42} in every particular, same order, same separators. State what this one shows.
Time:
{"hour": 9, "minute": 8}
